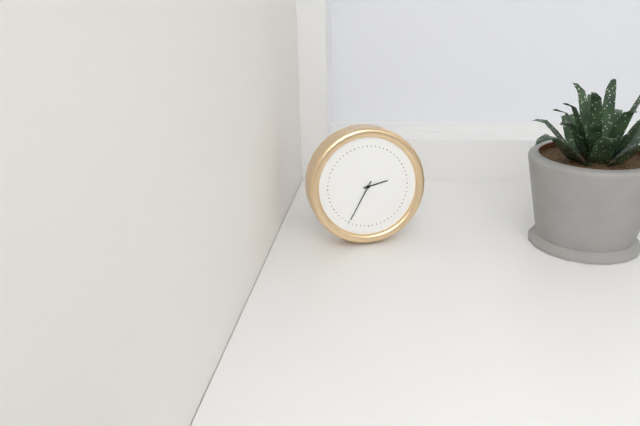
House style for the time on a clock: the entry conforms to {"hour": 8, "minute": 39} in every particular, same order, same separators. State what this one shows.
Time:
{"hour": 2, "minute": 35}
